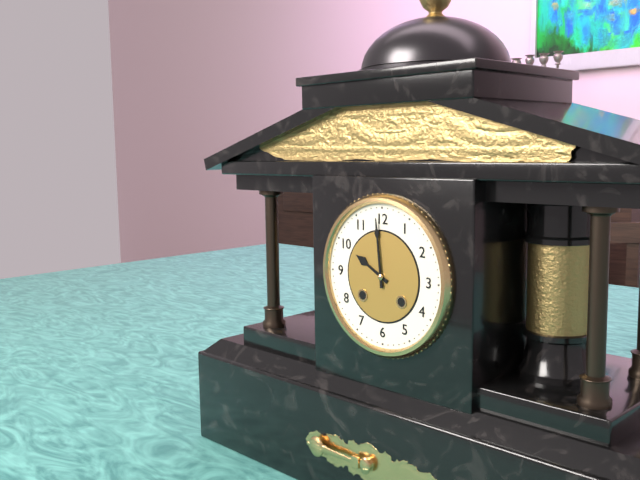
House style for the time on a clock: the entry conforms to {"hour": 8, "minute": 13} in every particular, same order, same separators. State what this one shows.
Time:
{"hour": 9, "minute": 59}
